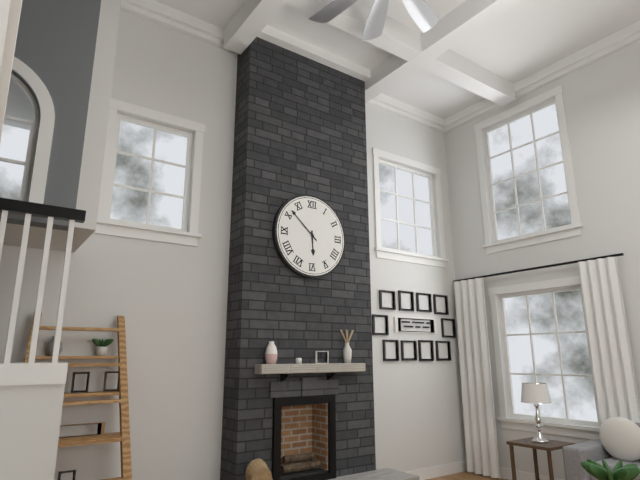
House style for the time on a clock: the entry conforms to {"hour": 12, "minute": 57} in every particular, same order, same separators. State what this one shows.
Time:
{"hour": 5, "minute": 52}
